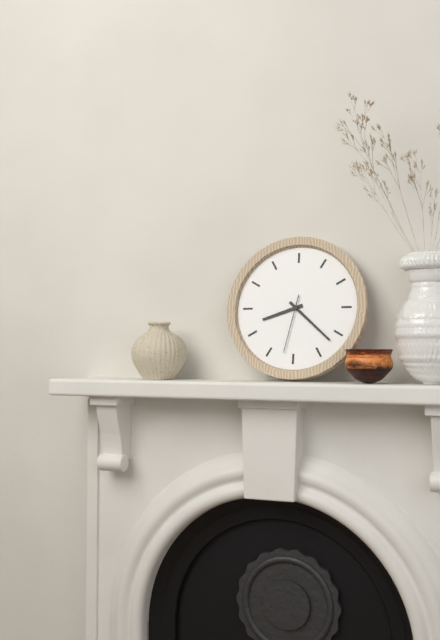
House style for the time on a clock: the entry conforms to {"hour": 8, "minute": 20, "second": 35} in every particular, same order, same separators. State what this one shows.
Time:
{"hour": 8, "minute": 22, "second": 32}
